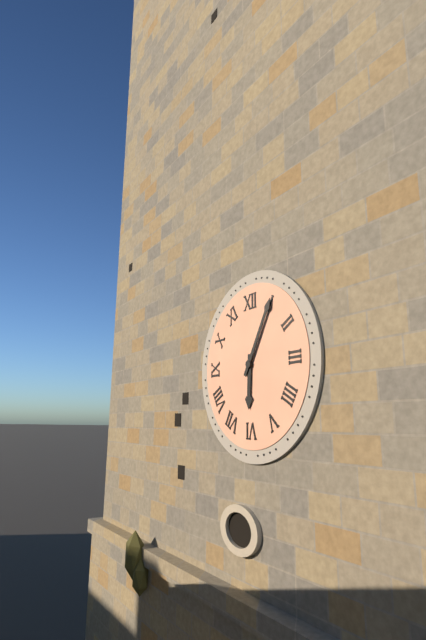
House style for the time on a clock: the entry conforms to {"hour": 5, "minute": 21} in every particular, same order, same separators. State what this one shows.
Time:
{"hour": 6, "minute": 5}
